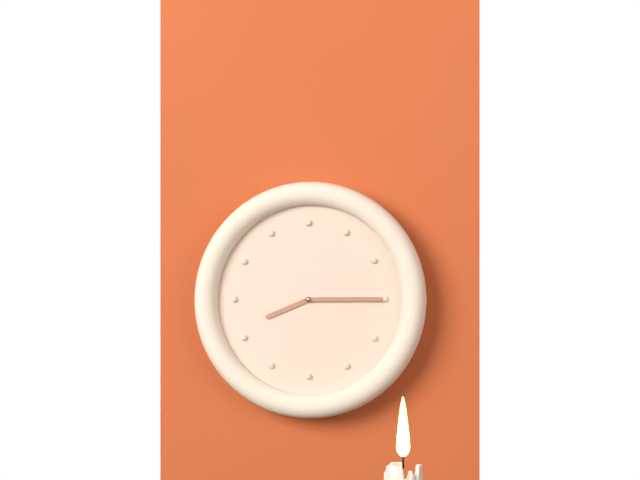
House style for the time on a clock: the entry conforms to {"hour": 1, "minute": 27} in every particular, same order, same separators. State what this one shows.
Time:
{"hour": 8, "minute": 15}
